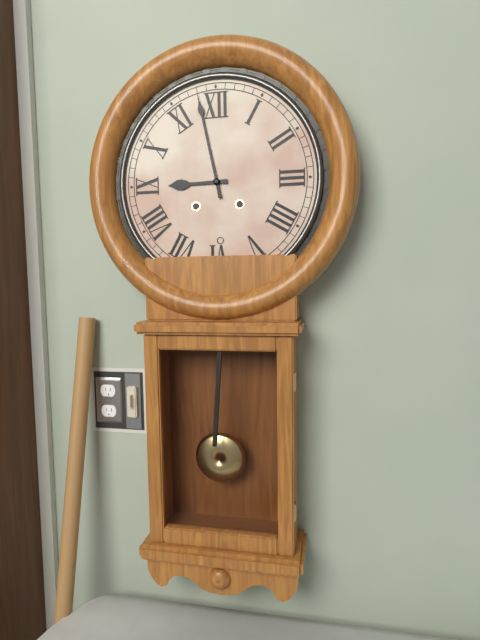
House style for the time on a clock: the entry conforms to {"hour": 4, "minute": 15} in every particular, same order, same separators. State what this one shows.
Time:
{"hour": 8, "minute": 58}
